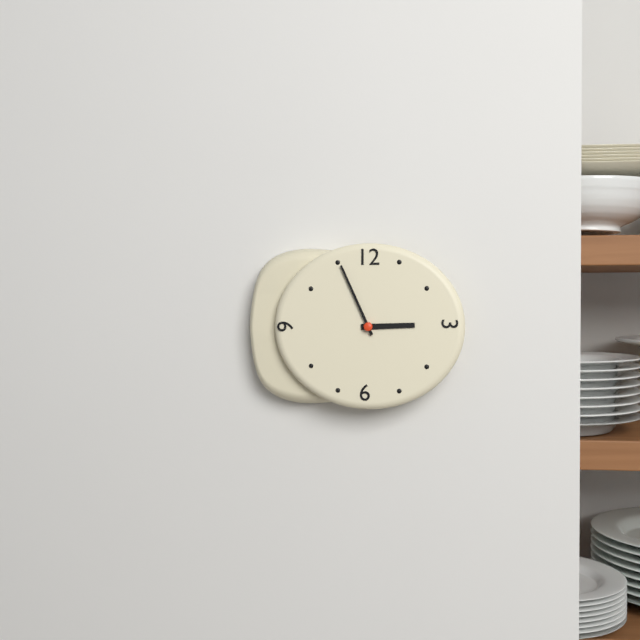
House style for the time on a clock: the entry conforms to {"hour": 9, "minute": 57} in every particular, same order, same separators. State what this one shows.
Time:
{"hour": 2, "minute": 56}
